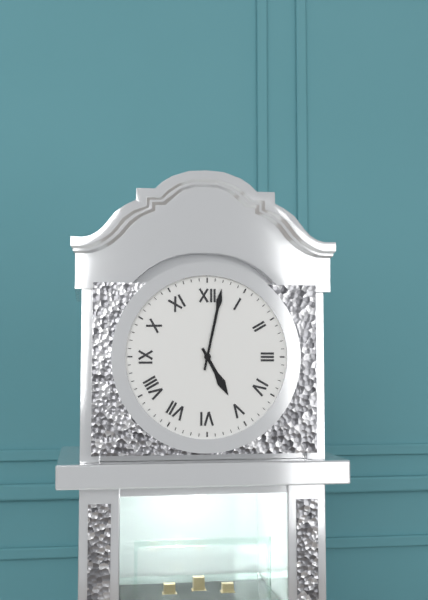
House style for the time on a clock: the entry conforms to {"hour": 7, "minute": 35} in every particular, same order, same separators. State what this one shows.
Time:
{"hour": 5, "minute": 2}
